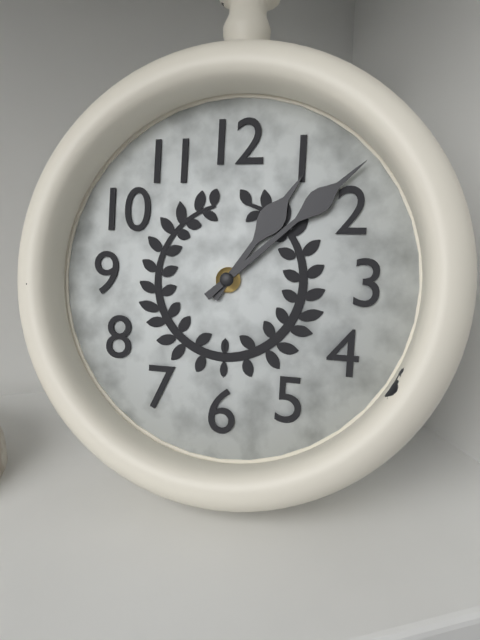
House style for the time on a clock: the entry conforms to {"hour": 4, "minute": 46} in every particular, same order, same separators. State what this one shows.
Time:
{"hour": 1, "minute": 8}
